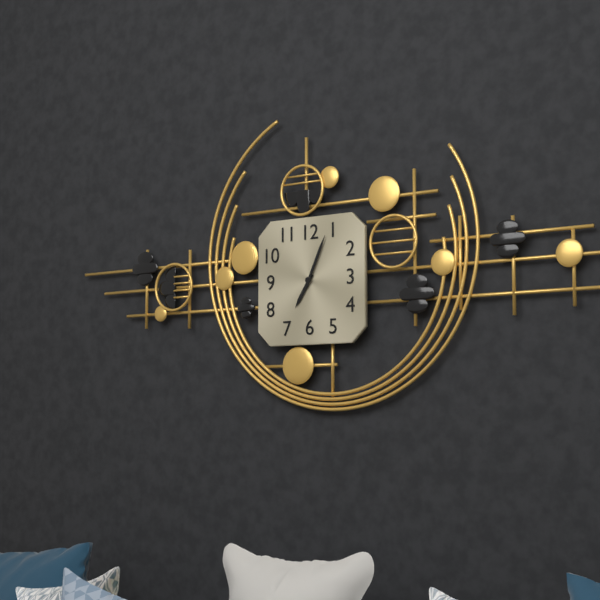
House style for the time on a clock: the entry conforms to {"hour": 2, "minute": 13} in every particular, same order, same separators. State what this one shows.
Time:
{"hour": 7, "minute": 4}
